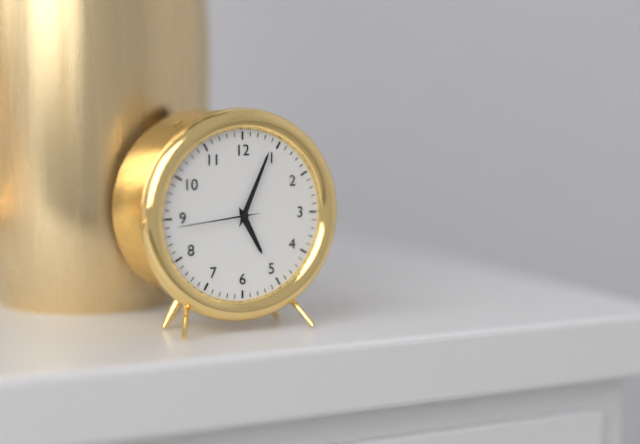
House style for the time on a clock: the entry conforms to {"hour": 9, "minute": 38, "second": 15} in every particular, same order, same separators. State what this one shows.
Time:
{"hour": 5, "minute": 4, "second": 44}
